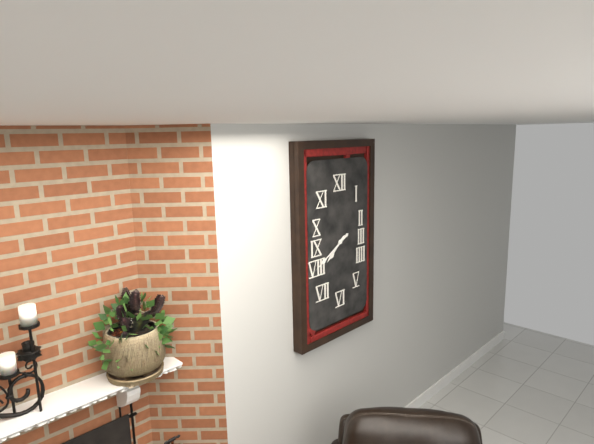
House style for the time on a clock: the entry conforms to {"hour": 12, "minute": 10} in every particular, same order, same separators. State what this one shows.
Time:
{"hour": 7, "minute": 40}
